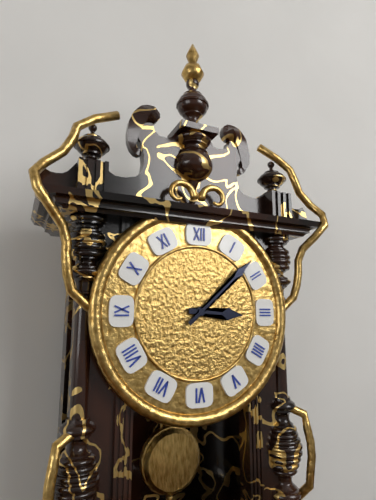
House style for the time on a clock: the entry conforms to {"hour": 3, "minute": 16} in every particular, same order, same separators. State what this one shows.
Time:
{"hour": 3, "minute": 8}
